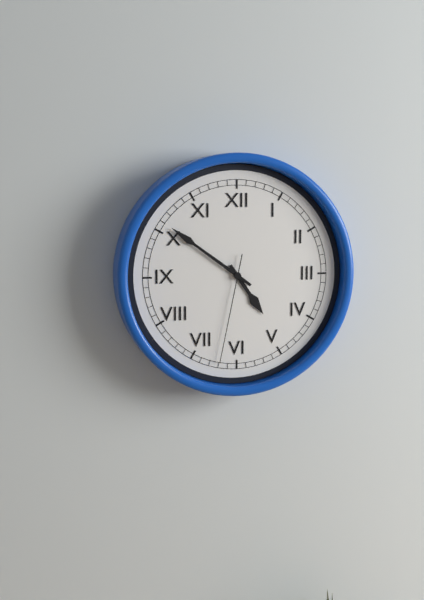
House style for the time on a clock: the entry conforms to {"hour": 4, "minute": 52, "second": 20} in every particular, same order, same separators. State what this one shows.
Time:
{"hour": 4, "minute": 51, "second": 32}
